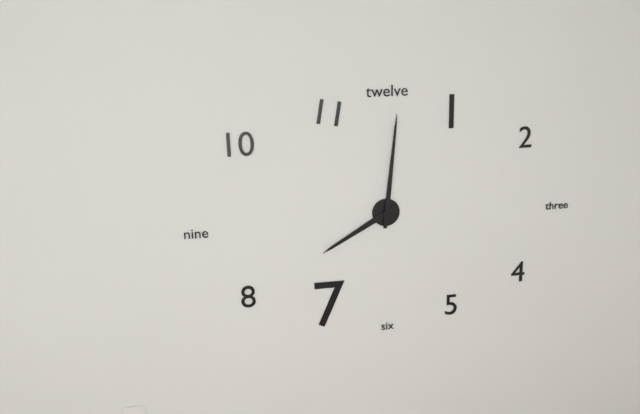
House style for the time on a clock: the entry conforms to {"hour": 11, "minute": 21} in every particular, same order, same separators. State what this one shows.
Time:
{"hour": 8, "minute": 1}
